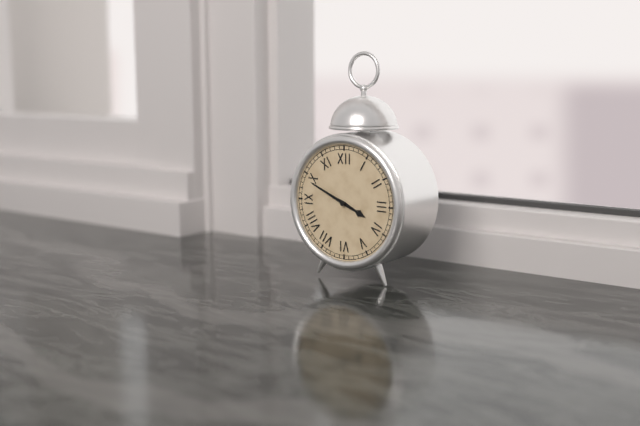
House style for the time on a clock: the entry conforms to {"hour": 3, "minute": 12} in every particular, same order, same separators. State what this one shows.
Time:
{"hour": 3, "minute": 49}
